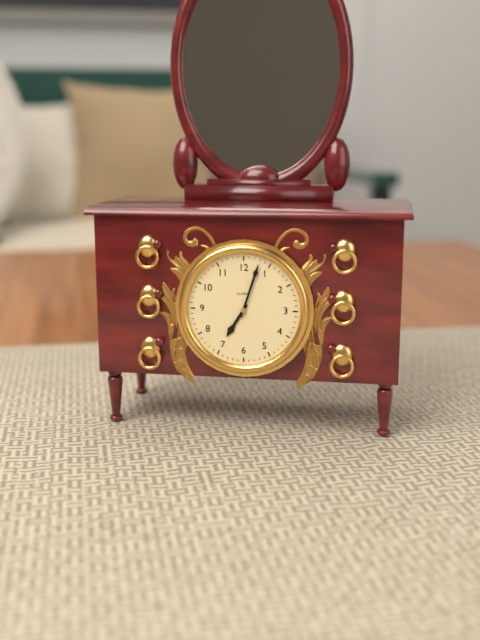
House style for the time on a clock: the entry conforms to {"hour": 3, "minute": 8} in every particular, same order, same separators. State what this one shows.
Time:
{"hour": 7, "minute": 3}
